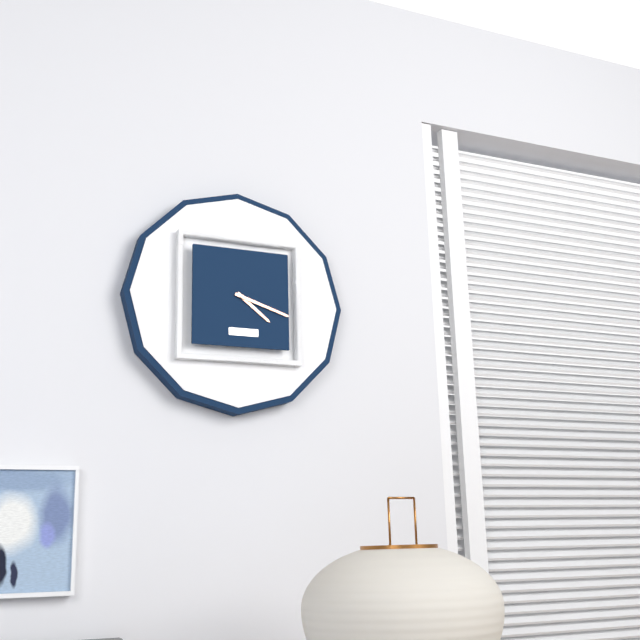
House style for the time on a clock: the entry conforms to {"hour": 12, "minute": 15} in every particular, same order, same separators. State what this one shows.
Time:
{"hour": 4, "minute": 18}
